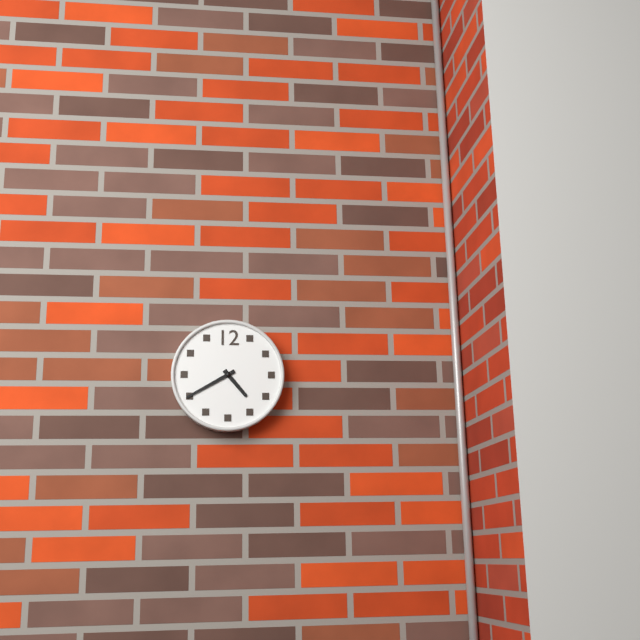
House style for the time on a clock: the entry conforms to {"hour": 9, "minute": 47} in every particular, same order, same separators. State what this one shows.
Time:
{"hour": 4, "minute": 40}
